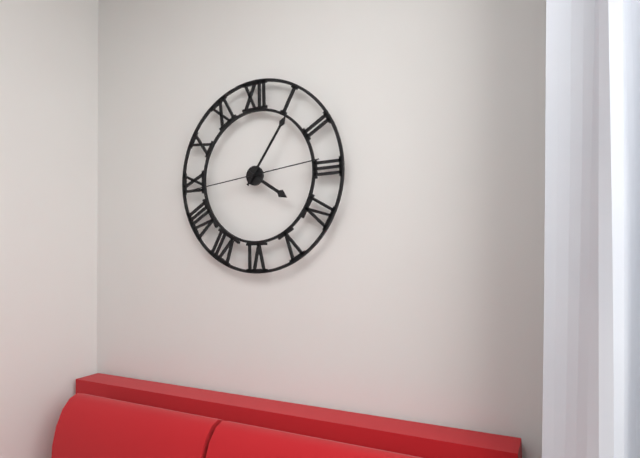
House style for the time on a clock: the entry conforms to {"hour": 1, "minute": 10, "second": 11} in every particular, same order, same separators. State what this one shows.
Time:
{"hour": 4, "minute": 6, "second": 44}
